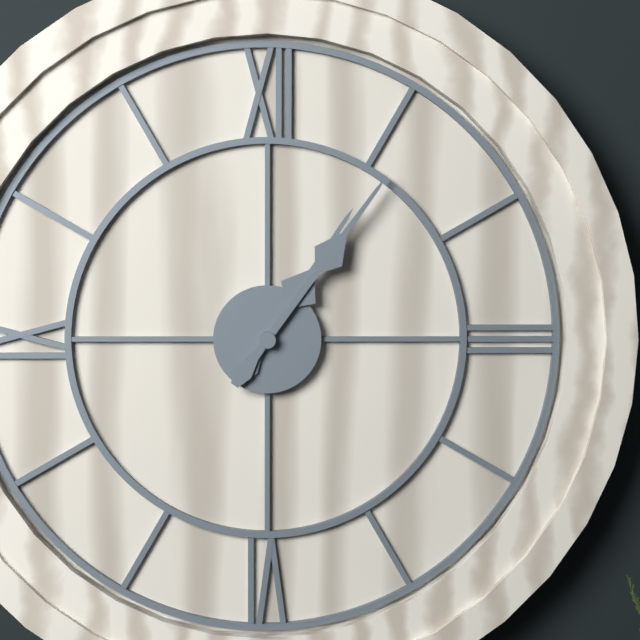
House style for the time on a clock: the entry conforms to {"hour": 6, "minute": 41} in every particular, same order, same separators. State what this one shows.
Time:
{"hour": 1, "minute": 6}
